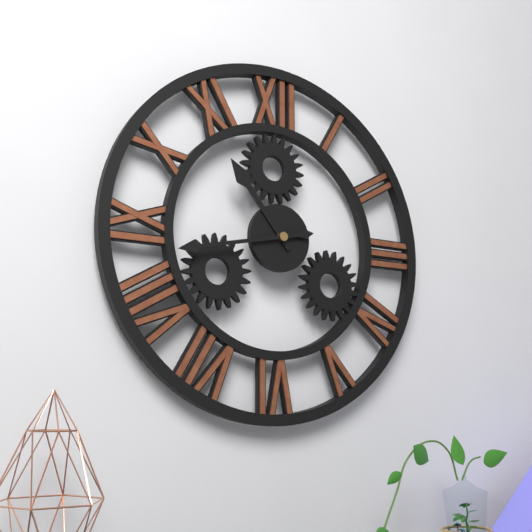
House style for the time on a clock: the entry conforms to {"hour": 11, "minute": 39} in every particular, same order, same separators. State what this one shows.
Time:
{"hour": 10, "minute": 43}
